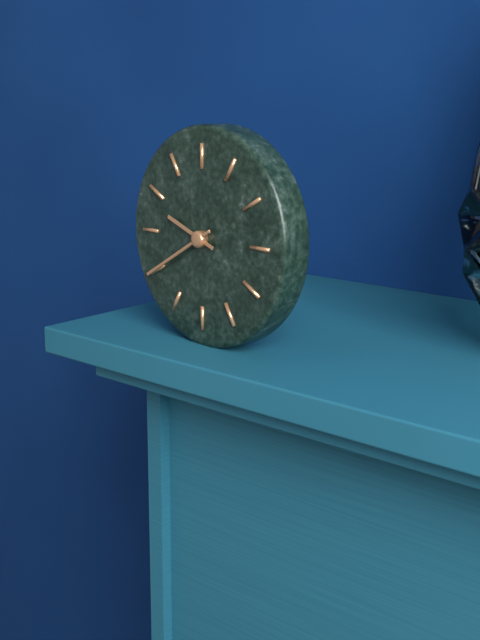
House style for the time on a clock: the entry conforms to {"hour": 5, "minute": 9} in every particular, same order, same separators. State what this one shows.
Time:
{"hour": 9, "minute": 40}
